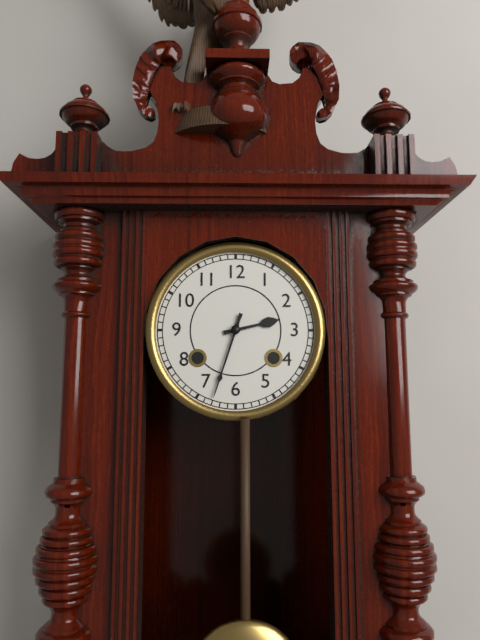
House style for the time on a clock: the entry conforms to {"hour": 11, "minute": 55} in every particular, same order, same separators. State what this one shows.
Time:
{"hour": 2, "minute": 33}
